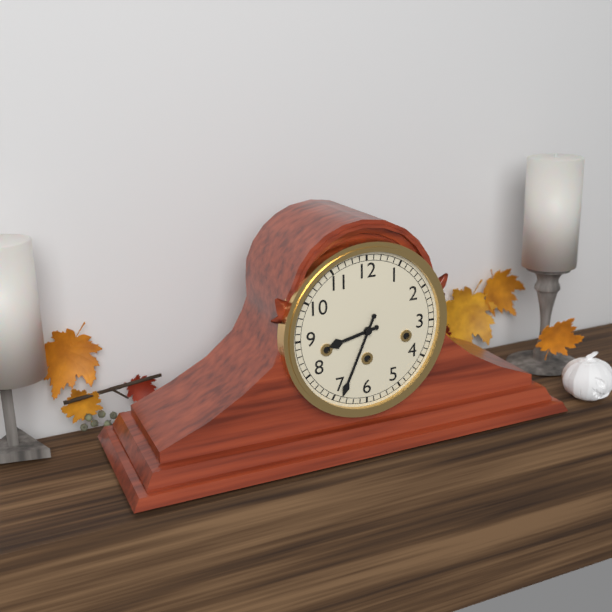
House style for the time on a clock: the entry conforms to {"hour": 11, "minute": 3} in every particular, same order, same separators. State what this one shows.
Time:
{"hour": 8, "minute": 34}
